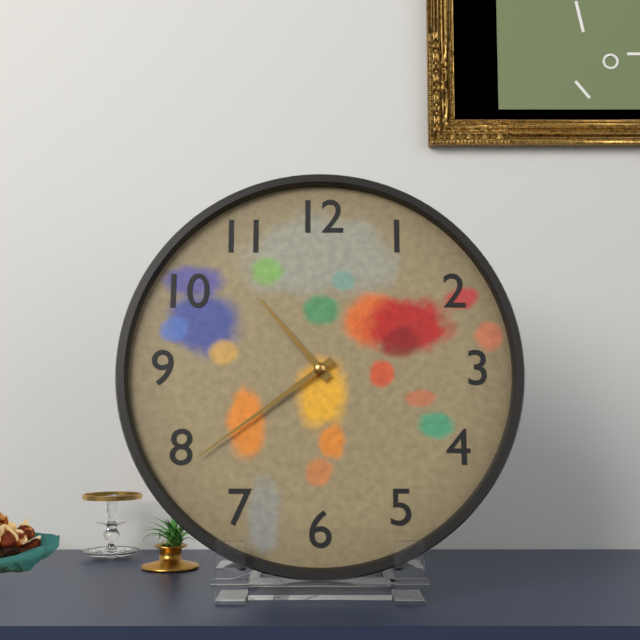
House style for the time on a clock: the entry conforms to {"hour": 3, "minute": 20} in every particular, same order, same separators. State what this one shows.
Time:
{"hour": 10, "minute": 39}
